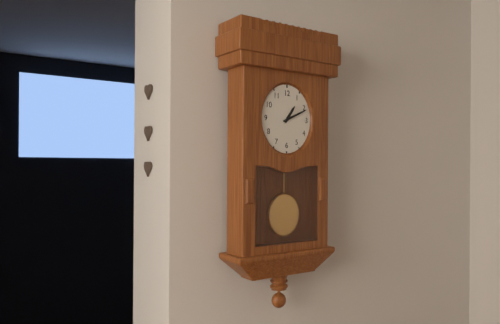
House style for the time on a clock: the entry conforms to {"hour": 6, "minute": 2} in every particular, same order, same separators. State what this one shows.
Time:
{"hour": 1, "minute": 11}
